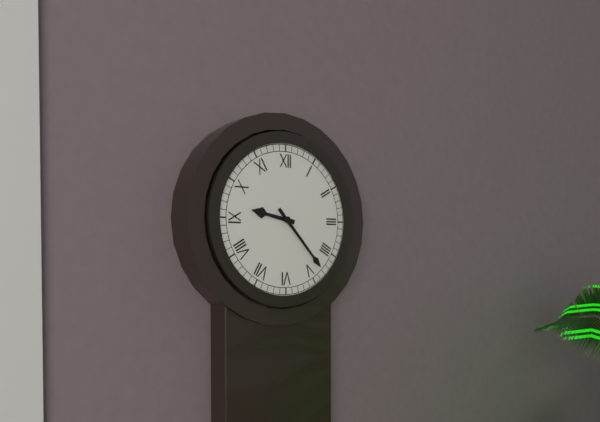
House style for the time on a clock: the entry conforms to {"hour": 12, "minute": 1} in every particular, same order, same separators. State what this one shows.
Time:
{"hour": 9, "minute": 23}
